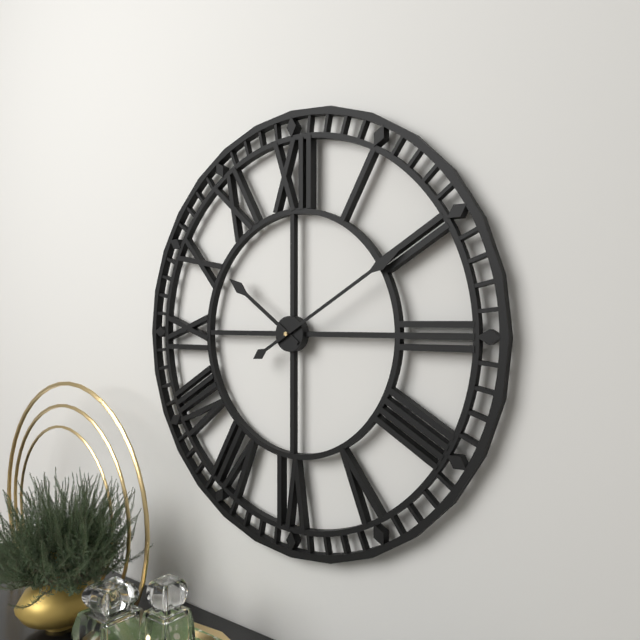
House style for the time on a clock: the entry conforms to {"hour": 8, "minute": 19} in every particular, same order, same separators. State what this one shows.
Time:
{"hour": 10, "minute": 10}
